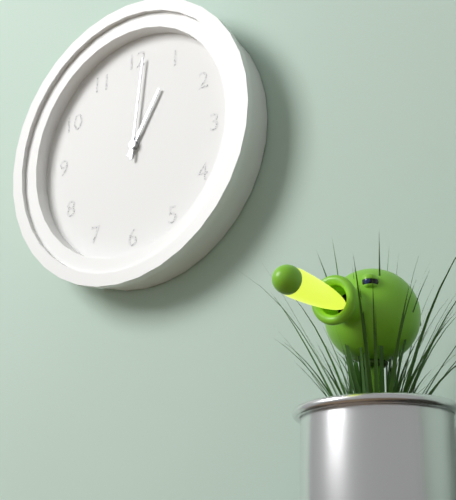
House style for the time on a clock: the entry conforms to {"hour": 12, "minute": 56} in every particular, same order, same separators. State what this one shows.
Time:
{"hour": 1, "minute": 1}
